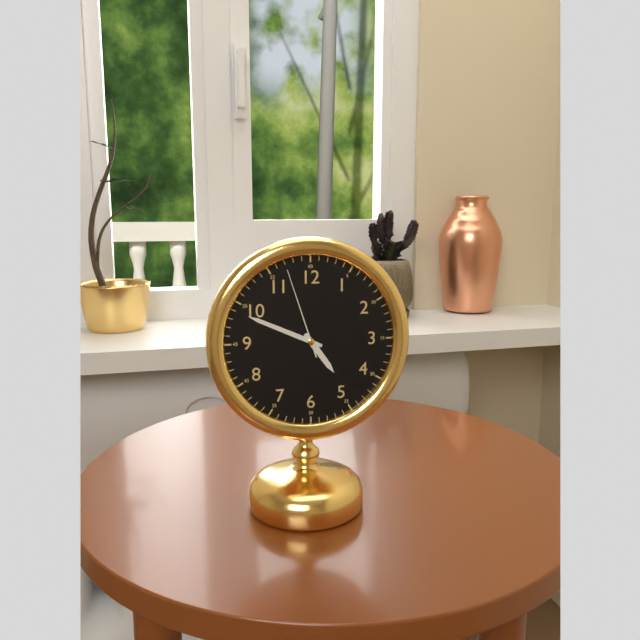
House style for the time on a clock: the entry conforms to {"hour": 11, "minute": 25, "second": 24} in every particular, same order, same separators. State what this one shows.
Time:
{"hour": 4, "minute": 49, "second": 57}
